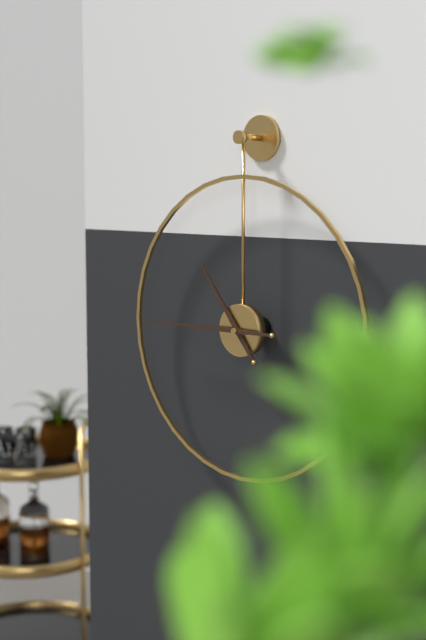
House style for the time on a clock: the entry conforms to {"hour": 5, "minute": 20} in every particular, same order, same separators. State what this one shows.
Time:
{"hour": 10, "minute": 45}
